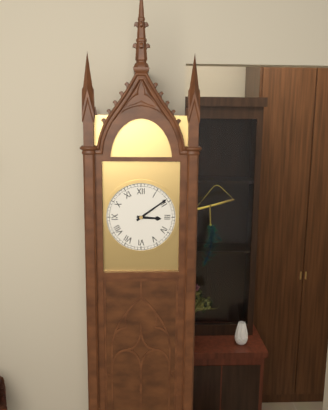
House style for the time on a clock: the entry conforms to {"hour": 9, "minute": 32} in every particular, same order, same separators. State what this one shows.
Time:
{"hour": 3, "minute": 9}
